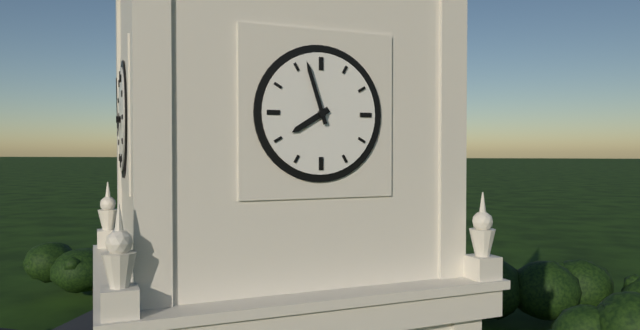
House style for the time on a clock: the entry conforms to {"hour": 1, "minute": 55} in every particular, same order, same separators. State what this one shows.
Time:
{"hour": 7, "minute": 57}
